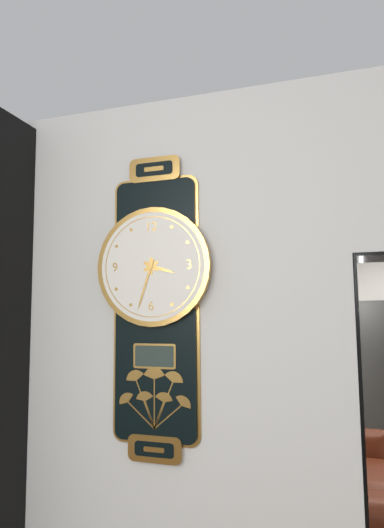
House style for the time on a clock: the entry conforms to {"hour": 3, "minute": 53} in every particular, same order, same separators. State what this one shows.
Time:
{"hour": 3, "minute": 33}
